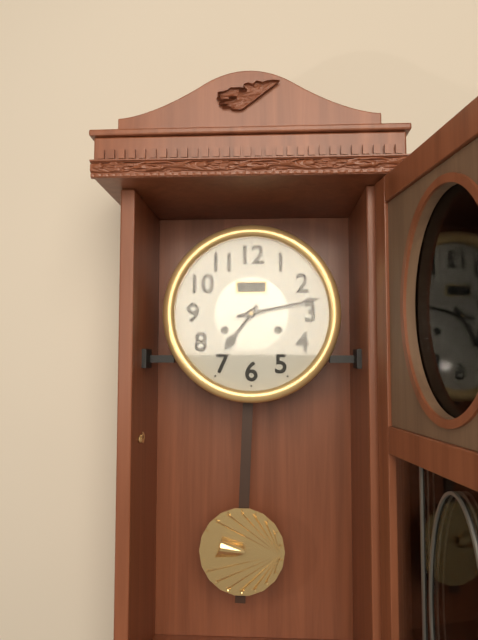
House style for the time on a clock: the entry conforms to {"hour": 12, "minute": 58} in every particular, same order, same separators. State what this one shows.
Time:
{"hour": 7, "minute": 13}
